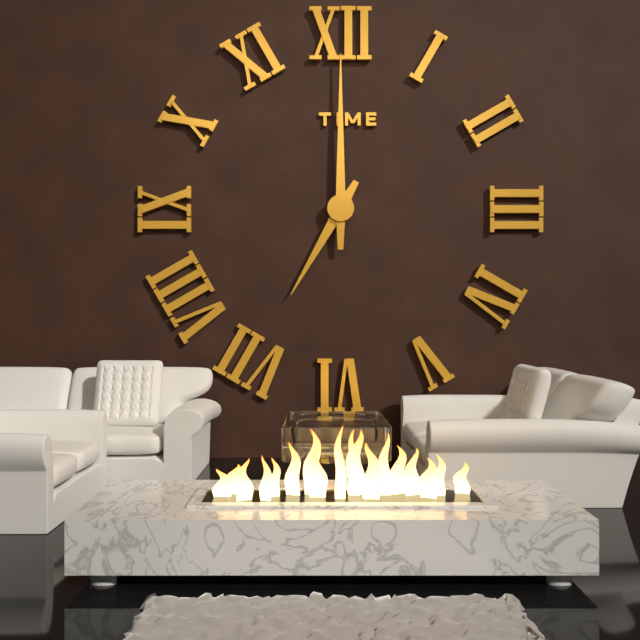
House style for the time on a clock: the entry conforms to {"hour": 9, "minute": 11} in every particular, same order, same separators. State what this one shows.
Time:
{"hour": 7, "minute": 0}
